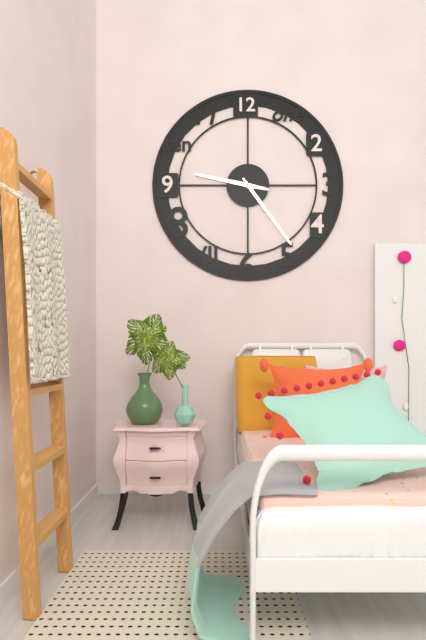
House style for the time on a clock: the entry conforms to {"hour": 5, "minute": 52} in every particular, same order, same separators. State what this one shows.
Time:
{"hour": 9, "minute": 24}
